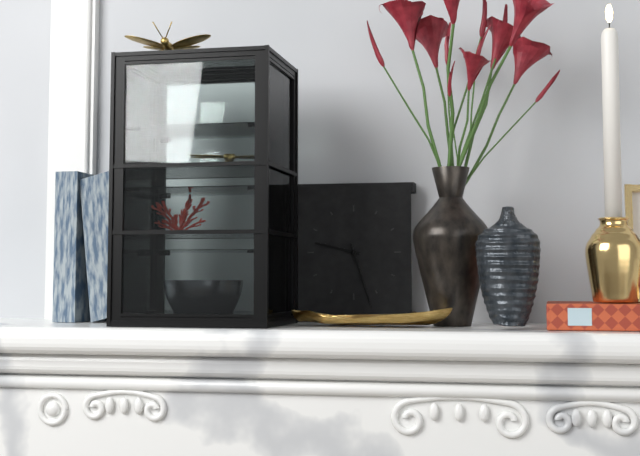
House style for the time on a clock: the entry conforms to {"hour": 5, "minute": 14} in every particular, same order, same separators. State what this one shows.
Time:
{"hour": 9, "minute": 27}
